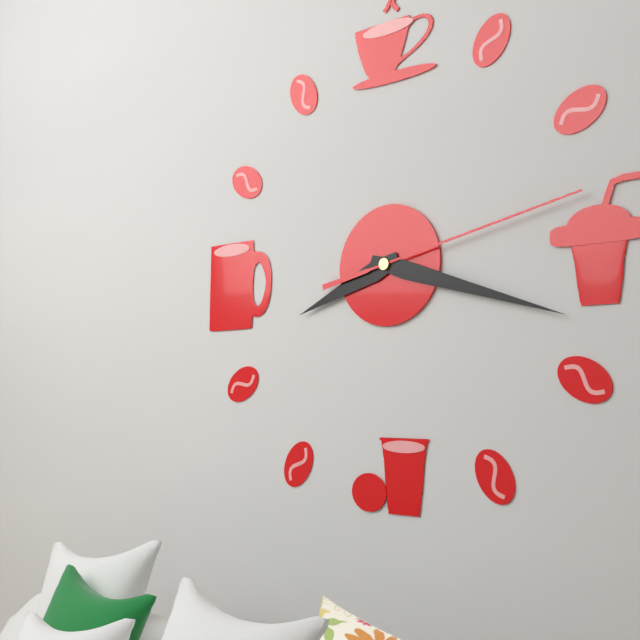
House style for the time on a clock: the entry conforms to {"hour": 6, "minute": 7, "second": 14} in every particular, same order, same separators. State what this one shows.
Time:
{"hour": 8, "minute": 18, "second": 13}
